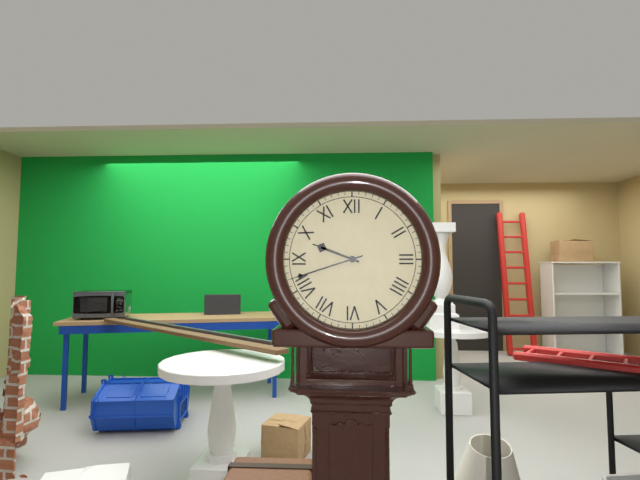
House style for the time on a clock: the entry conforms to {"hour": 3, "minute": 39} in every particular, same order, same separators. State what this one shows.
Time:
{"hour": 9, "minute": 42}
